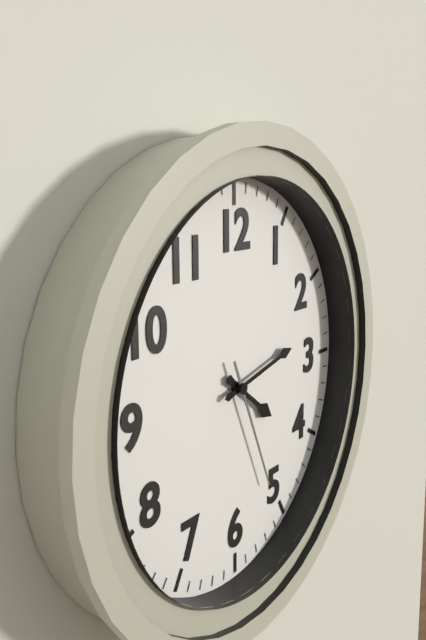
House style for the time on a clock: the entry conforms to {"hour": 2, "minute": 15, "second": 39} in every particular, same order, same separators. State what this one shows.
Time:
{"hour": 4, "minute": 13, "second": 26}
